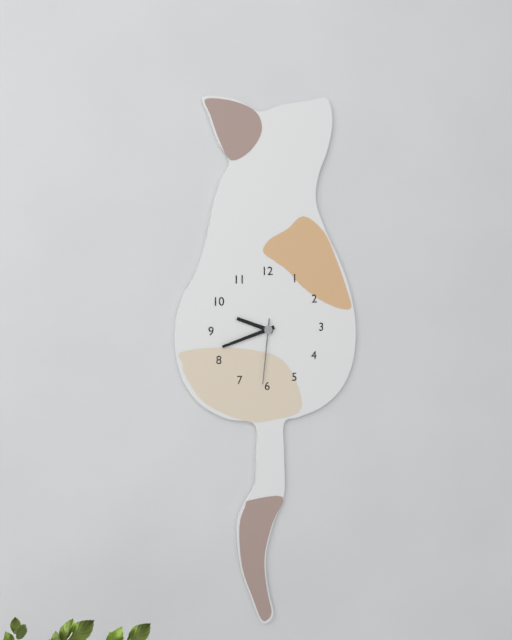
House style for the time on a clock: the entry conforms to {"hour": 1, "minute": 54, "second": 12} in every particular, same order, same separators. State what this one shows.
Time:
{"hour": 9, "minute": 42, "second": 31}
